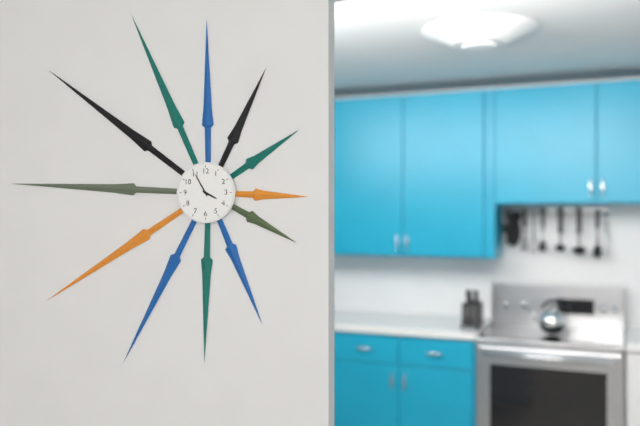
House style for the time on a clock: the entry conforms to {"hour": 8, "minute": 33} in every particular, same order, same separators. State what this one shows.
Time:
{"hour": 3, "minute": 55}
